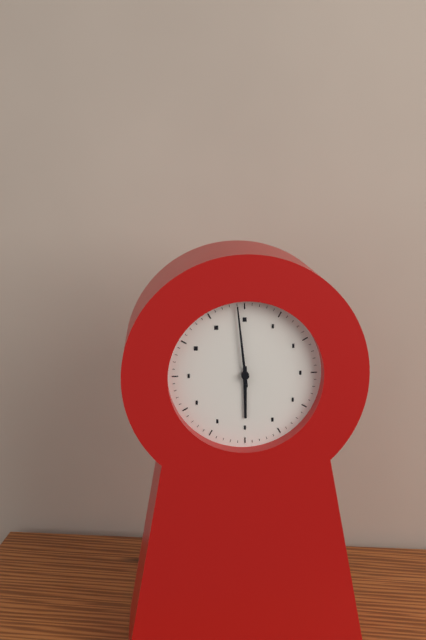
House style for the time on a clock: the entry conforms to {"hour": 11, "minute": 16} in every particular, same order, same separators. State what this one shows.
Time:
{"hour": 5, "minute": 59}
